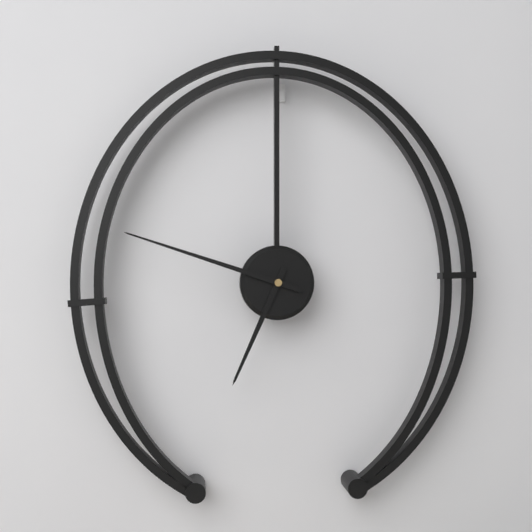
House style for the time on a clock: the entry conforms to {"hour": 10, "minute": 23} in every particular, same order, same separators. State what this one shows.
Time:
{"hour": 6, "minute": 48}
